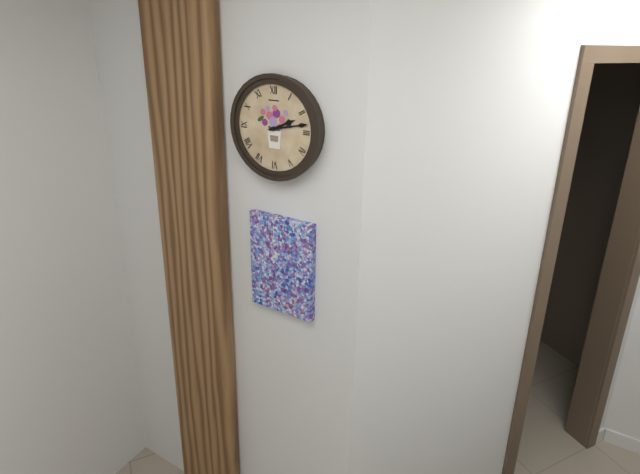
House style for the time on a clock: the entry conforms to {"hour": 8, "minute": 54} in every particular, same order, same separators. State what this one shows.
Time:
{"hour": 2, "minute": 13}
